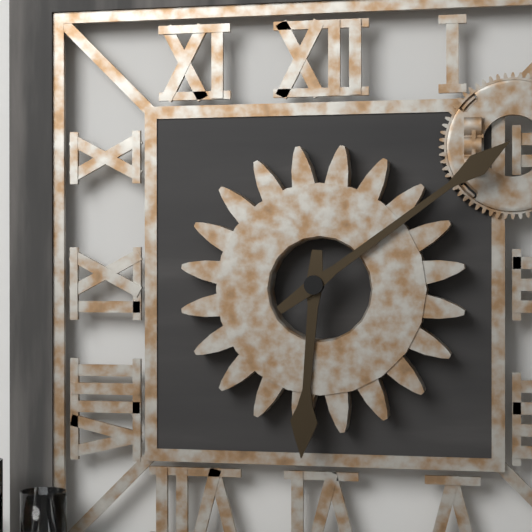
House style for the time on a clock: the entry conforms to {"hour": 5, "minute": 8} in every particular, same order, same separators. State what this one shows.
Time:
{"hour": 6, "minute": 9}
